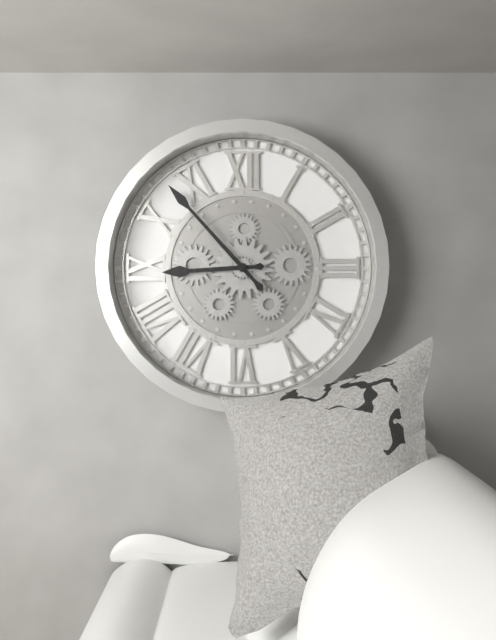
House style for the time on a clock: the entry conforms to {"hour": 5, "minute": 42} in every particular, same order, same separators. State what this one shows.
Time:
{"hour": 8, "minute": 53}
